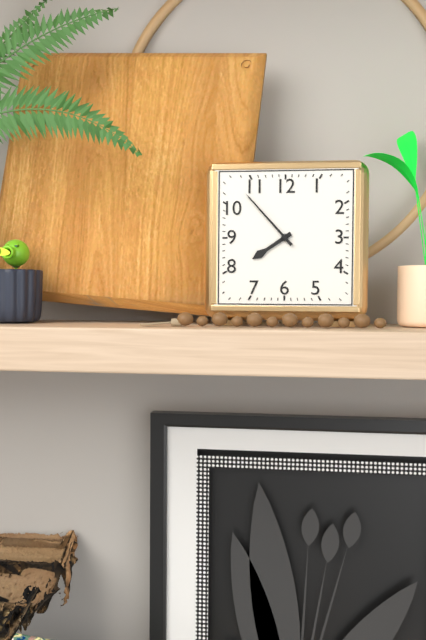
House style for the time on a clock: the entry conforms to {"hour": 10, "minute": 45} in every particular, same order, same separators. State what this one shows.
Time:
{"hour": 7, "minute": 53}
